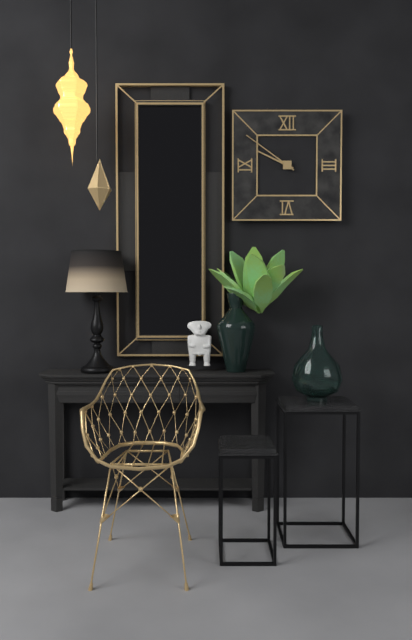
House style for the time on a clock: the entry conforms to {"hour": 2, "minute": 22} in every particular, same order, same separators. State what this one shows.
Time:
{"hour": 9, "minute": 51}
